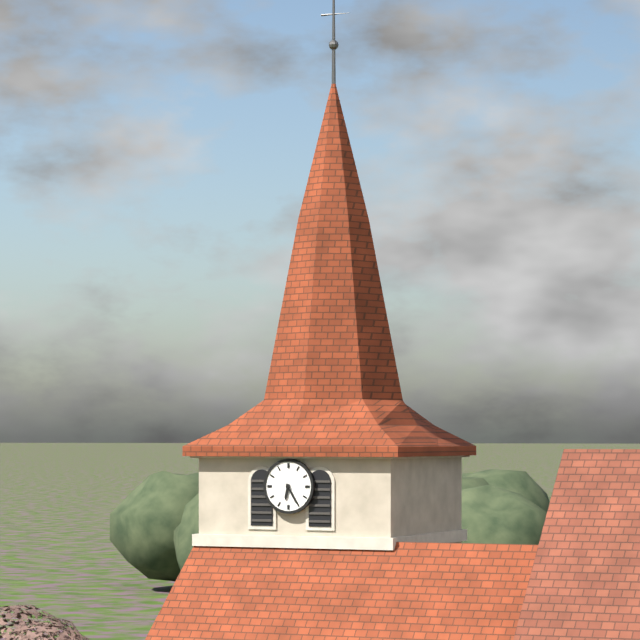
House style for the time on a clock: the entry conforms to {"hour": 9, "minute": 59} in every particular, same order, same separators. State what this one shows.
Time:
{"hour": 6, "minute": 25}
